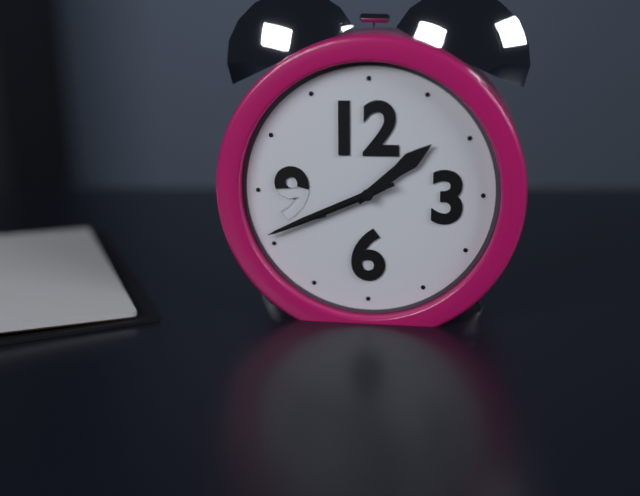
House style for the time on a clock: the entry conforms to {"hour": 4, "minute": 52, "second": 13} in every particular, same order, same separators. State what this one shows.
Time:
{"hour": 1, "minute": 41, "second": 41}
